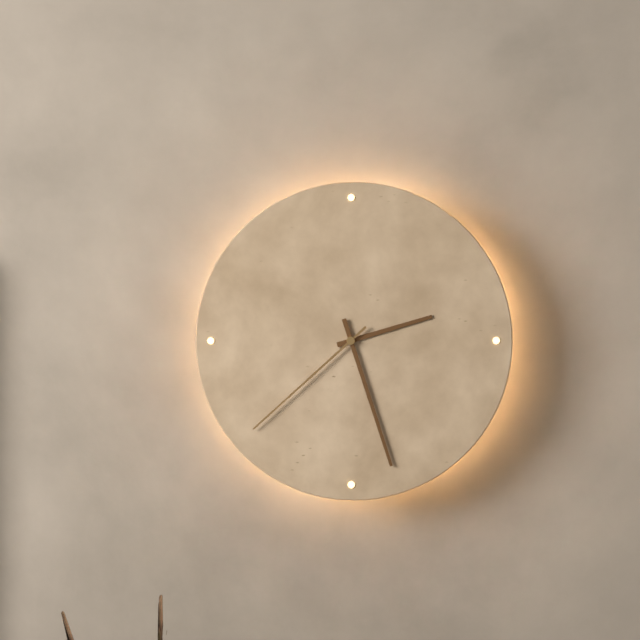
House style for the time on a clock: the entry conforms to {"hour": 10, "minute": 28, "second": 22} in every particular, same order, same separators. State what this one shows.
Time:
{"hour": 2, "minute": 27, "second": 38}
